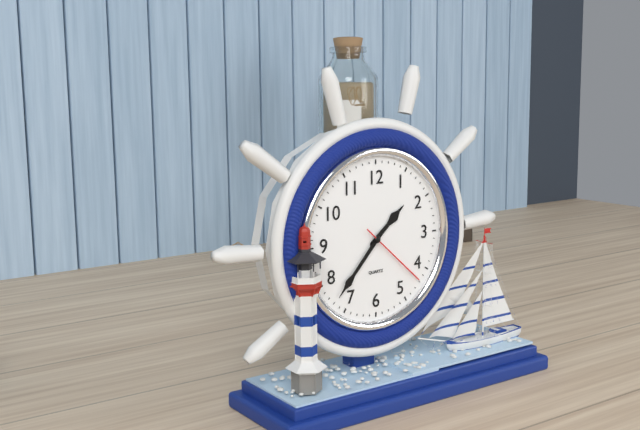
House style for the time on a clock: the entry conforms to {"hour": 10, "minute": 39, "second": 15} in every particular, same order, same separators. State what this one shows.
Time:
{"hour": 1, "minute": 37, "second": 22}
